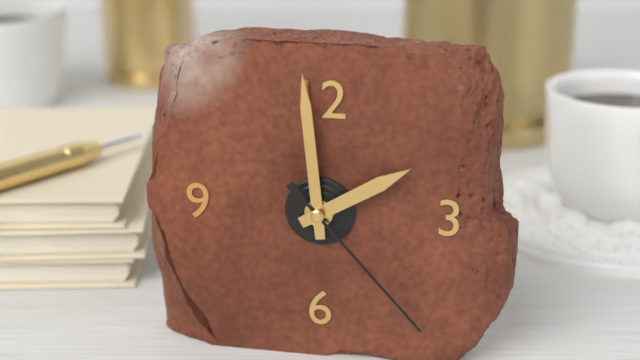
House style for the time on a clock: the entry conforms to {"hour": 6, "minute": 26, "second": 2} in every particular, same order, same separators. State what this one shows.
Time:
{"hour": 1, "minute": 59, "second": 23}
